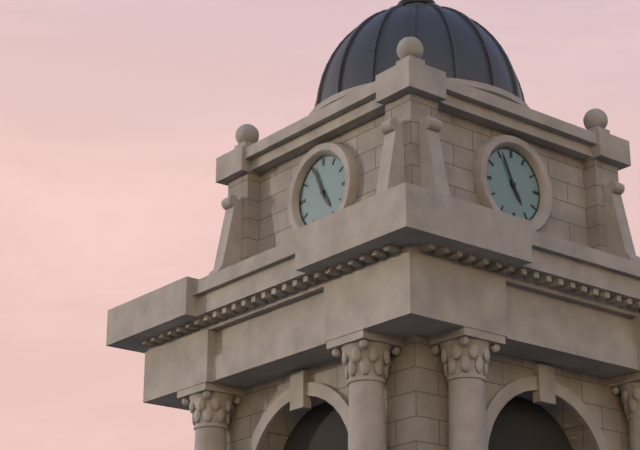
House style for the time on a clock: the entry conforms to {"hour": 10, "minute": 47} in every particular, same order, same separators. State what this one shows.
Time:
{"hour": 4, "minute": 56}
